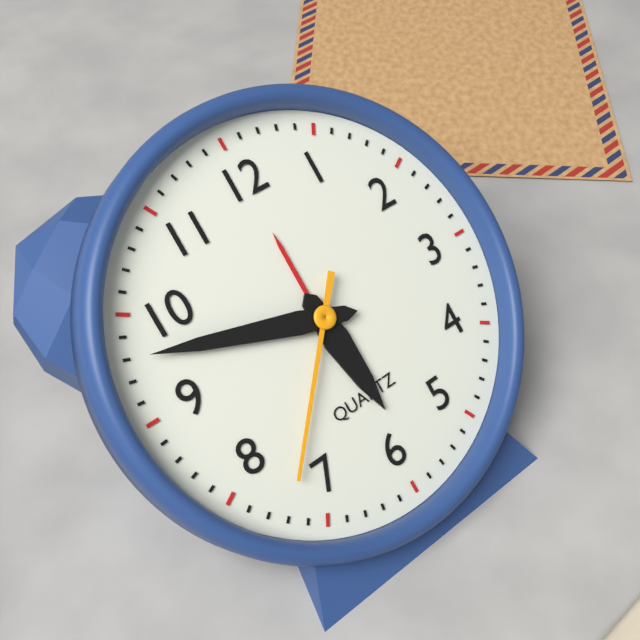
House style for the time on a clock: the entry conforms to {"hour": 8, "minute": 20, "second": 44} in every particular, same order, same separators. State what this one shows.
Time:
{"hour": 5, "minute": 48, "second": 37}
